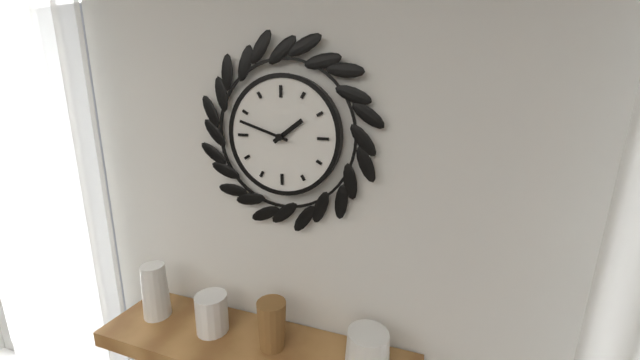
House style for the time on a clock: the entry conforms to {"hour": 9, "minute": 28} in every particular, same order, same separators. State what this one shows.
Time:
{"hour": 1, "minute": 48}
